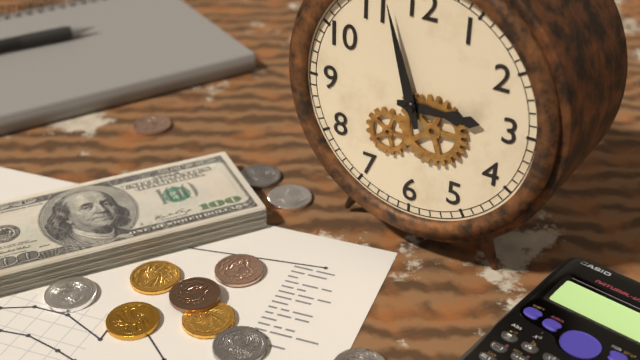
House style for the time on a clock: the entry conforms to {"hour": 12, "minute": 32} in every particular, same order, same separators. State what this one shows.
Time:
{"hour": 2, "minute": 57}
